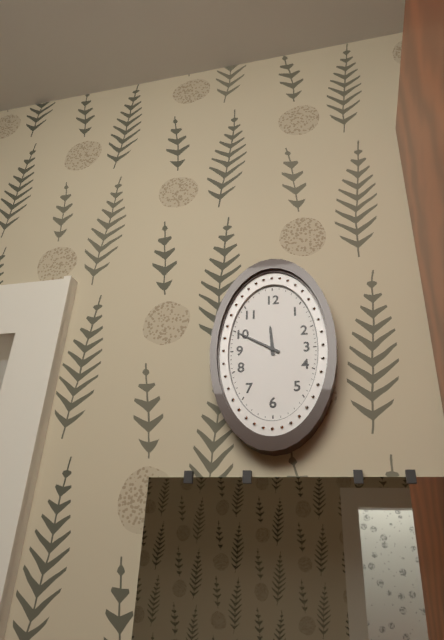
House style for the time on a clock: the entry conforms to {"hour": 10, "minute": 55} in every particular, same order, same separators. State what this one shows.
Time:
{"hour": 11, "minute": 50}
